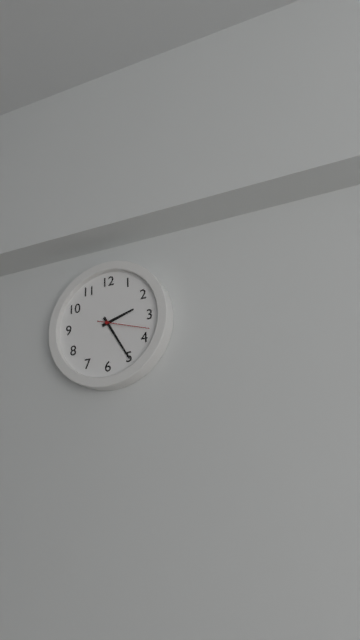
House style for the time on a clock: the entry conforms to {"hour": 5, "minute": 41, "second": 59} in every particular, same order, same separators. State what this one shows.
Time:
{"hour": 2, "minute": 25, "second": 18}
